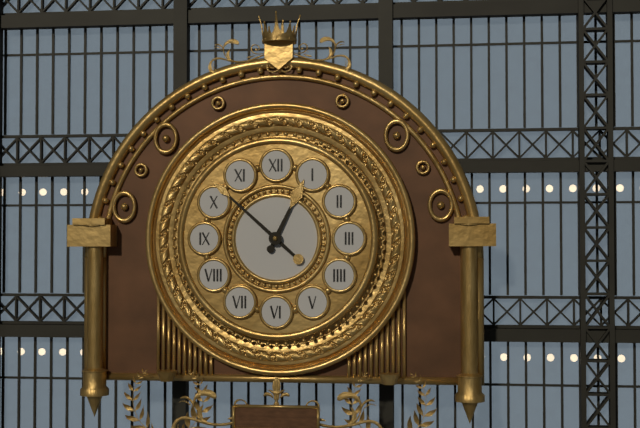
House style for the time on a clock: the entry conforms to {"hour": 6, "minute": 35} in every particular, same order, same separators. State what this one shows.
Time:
{"hour": 12, "minute": 52}
